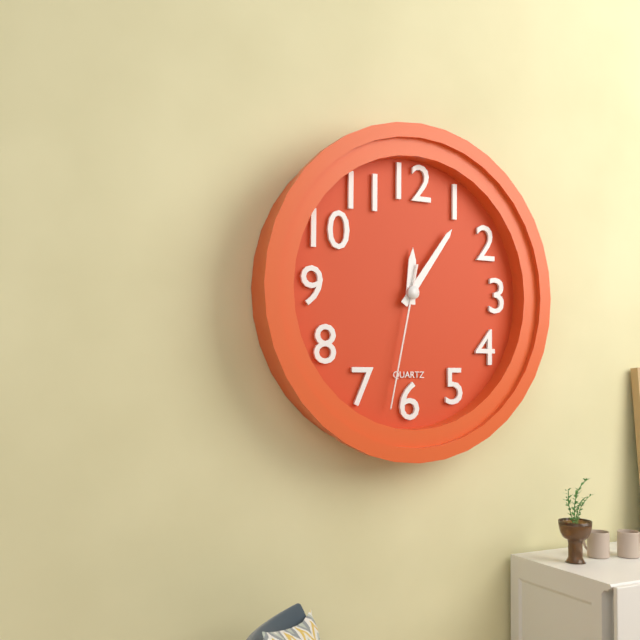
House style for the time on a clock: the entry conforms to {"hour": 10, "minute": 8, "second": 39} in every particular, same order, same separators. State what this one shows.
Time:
{"hour": 12, "minute": 6, "second": 32}
